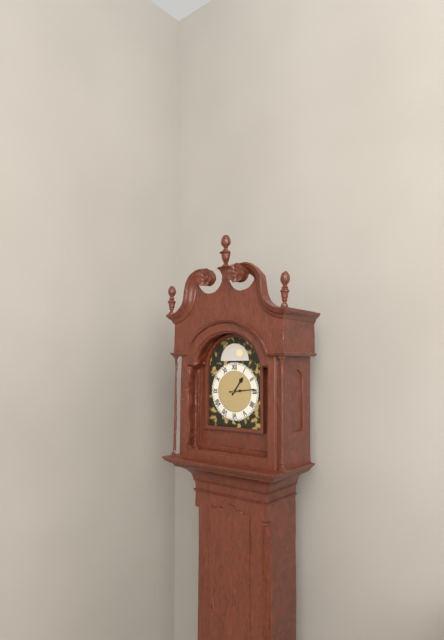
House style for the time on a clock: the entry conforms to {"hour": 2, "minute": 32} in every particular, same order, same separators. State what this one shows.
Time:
{"hour": 1, "minute": 14}
